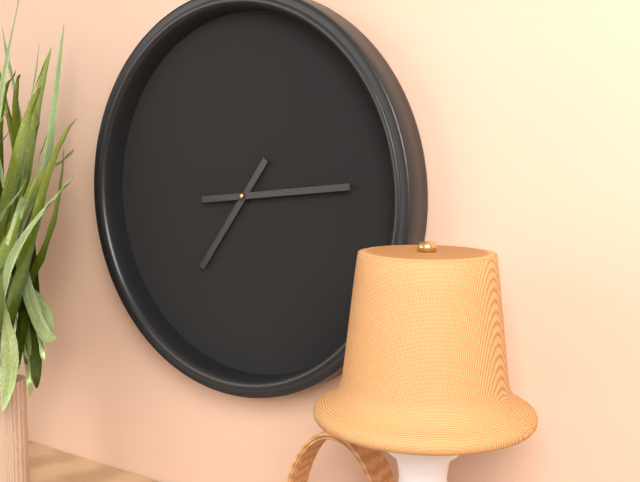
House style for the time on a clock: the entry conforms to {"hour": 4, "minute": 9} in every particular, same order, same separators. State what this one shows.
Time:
{"hour": 7, "minute": 14}
